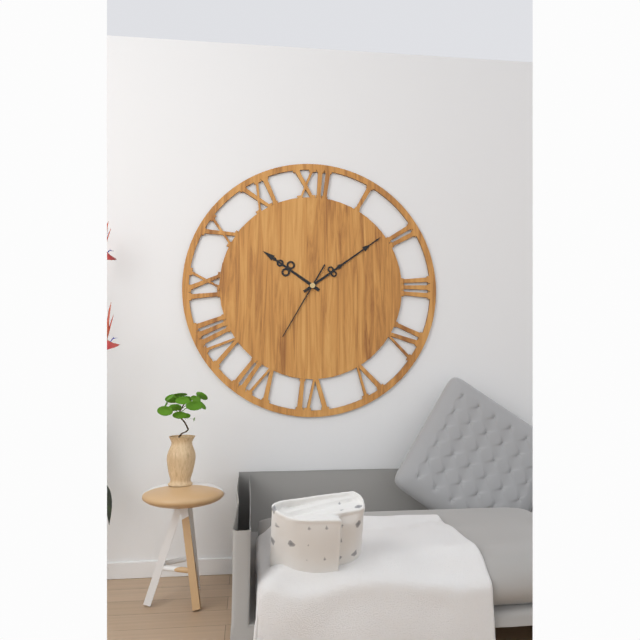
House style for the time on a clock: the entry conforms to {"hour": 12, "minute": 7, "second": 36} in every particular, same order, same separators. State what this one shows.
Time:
{"hour": 10, "minute": 9, "second": 35}
